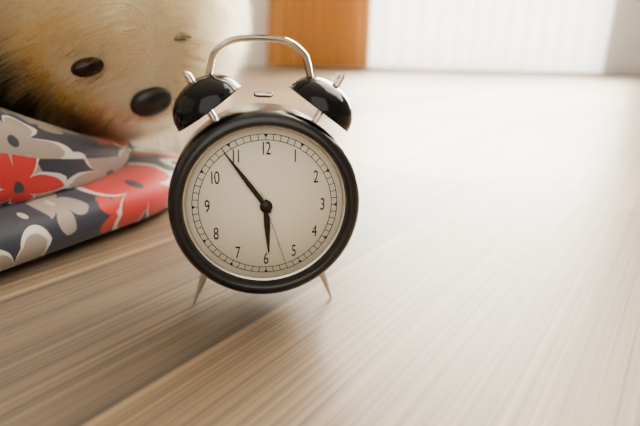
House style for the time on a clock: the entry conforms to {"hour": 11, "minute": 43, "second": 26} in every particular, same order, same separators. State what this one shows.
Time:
{"hour": 5, "minute": 54, "second": 27}
